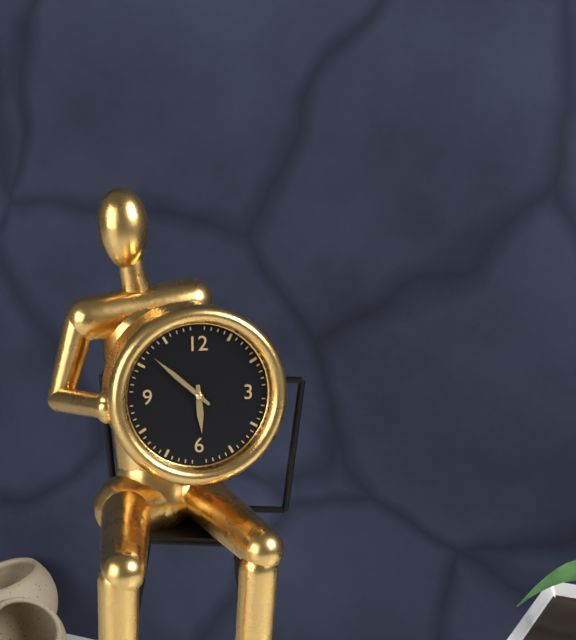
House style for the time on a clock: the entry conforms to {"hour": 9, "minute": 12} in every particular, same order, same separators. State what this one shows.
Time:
{"hour": 5, "minute": 52}
